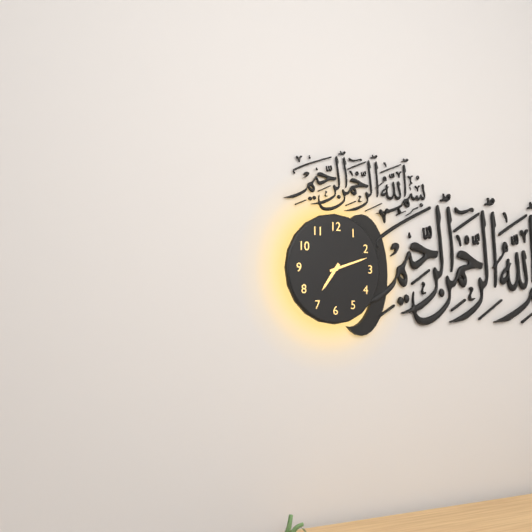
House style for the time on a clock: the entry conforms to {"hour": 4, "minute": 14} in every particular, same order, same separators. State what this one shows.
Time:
{"hour": 7, "minute": 12}
